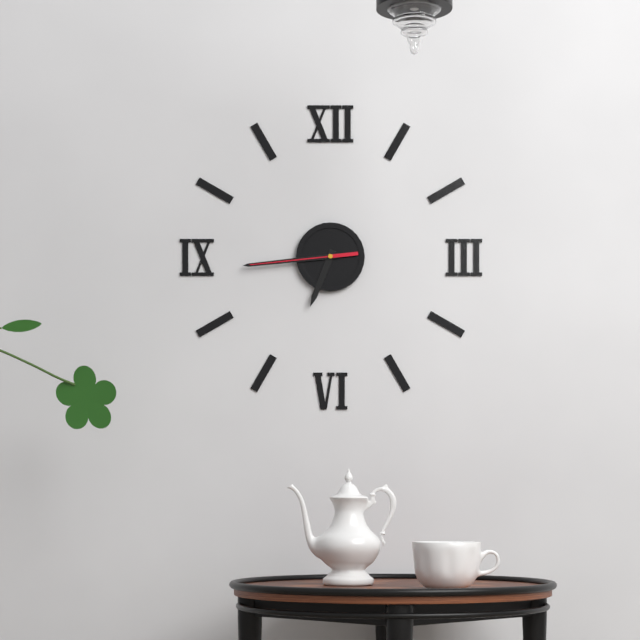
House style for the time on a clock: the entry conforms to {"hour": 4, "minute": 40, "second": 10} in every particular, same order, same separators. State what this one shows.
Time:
{"hour": 6, "minute": 44, "second": 44}
